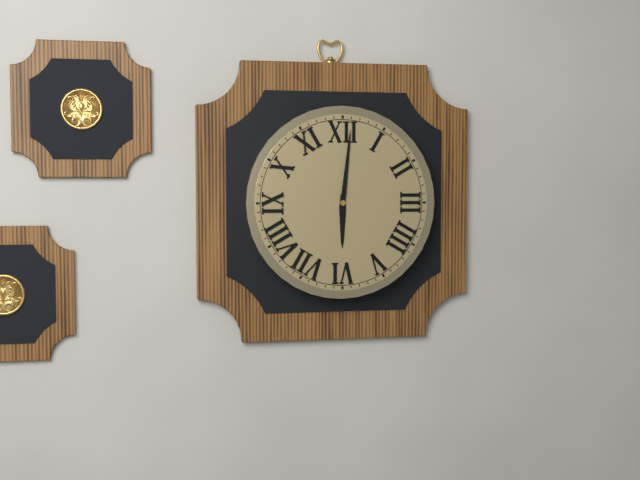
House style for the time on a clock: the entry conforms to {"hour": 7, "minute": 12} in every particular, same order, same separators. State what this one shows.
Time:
{"hour": 6, "minute": 1}
